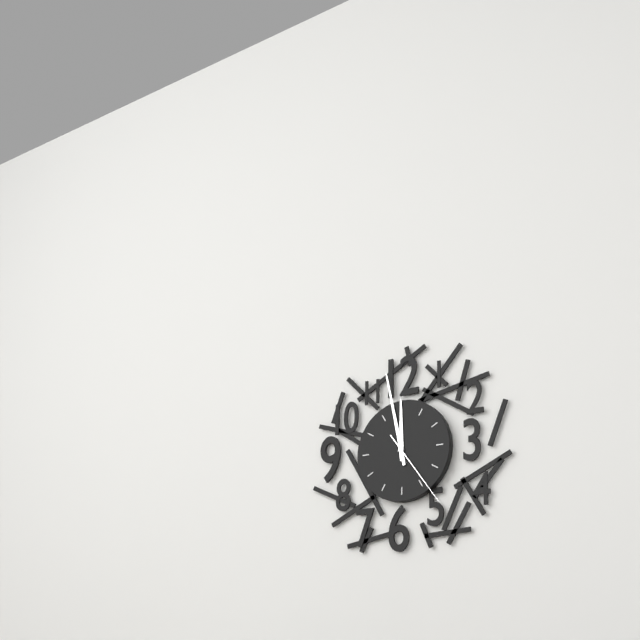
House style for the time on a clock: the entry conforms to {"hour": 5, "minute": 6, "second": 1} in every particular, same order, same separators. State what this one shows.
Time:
{"hour": 11, "minute": 58, "second": 24}
